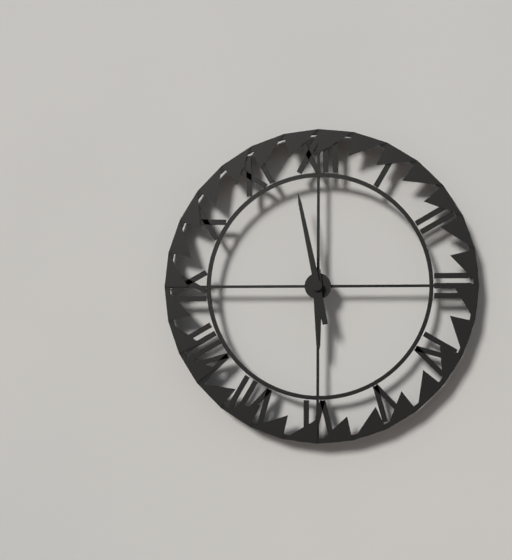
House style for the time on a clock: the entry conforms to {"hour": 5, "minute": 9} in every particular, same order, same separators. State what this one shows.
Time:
{"hour": 5, "minute": 58}
